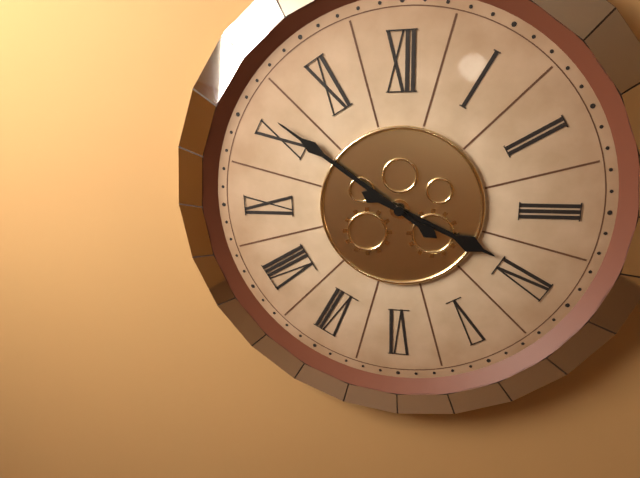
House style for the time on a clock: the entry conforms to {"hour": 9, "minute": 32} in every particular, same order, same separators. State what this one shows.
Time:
{"hour": 3, "minute": 51}
